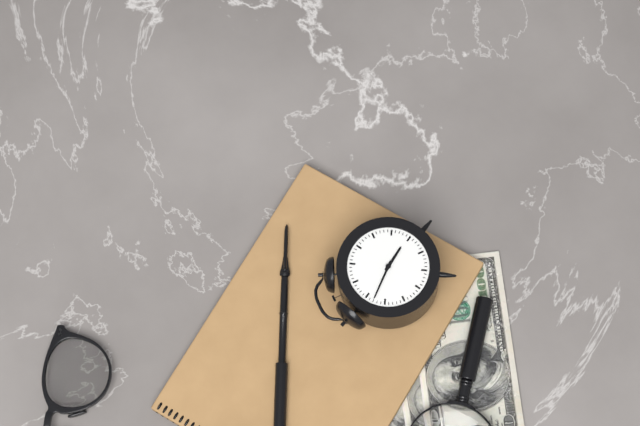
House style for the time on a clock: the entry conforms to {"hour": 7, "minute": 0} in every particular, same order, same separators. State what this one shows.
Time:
{"hour": 4, "minute": 53}
